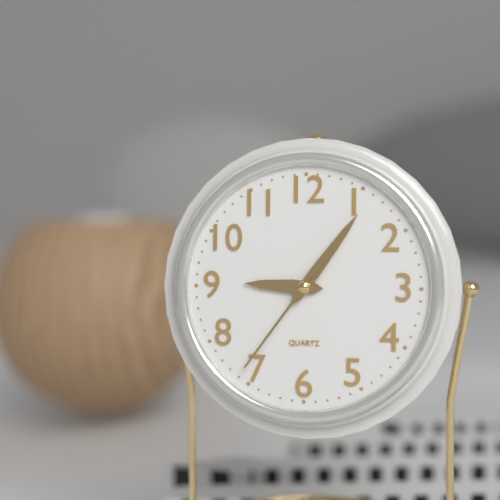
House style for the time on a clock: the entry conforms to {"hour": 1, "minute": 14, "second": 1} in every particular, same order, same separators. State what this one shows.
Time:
{"hour": 9, "minute": 6, "second": 36}
